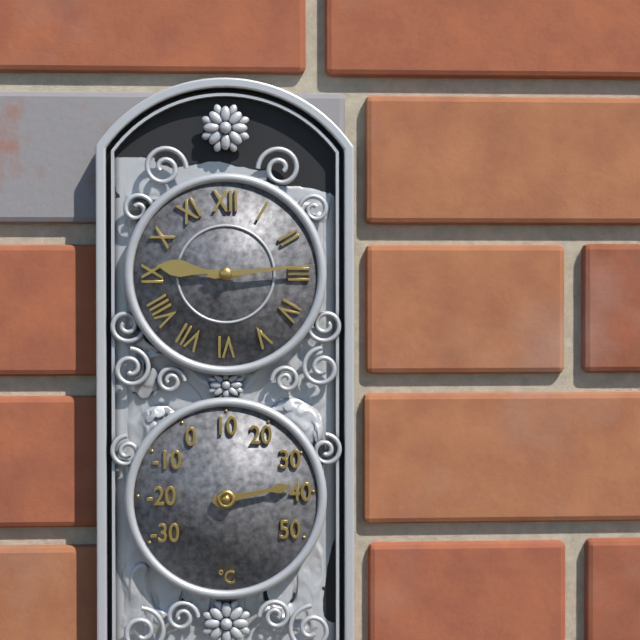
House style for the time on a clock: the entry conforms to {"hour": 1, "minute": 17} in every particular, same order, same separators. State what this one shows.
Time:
{"hour": 9, "minute": 14}
